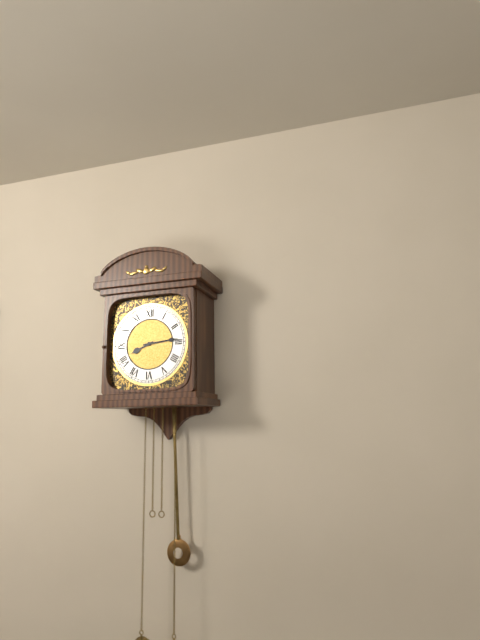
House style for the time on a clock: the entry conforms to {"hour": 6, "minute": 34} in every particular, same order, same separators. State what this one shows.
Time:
{"hour": 8, "minute": 14}
